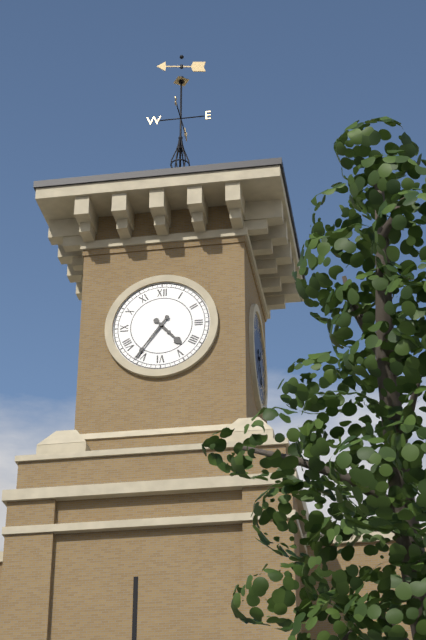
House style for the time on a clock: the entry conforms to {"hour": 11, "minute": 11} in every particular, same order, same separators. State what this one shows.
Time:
{"hour": 4, "minute": 36}
